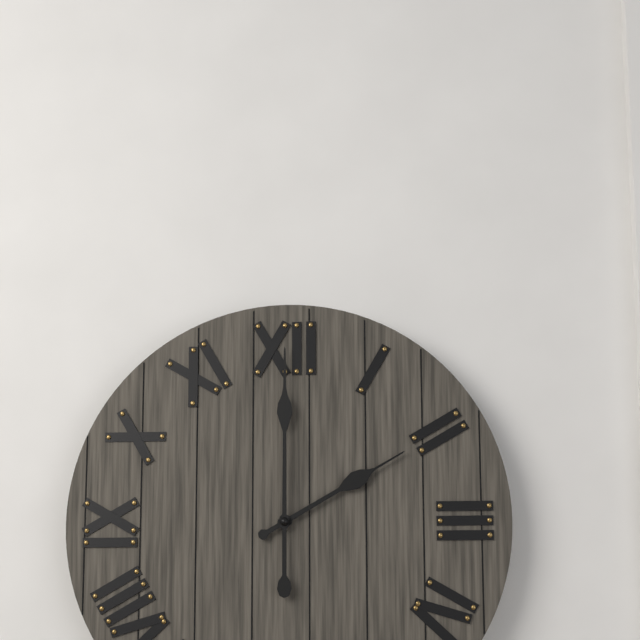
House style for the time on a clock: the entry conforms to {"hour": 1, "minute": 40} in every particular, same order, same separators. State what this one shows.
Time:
{"hour": 2, "minute": 0}
